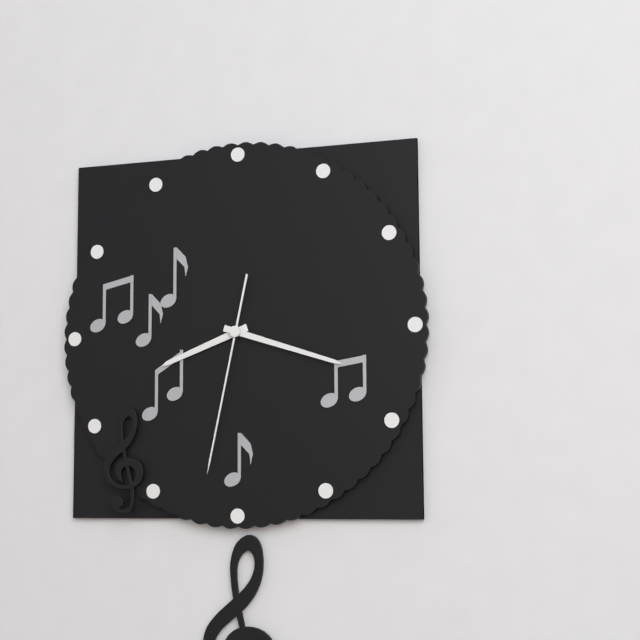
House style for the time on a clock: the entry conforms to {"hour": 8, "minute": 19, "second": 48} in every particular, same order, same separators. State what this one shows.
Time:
{"hour": 8, "minute": 18, "second": 32}
